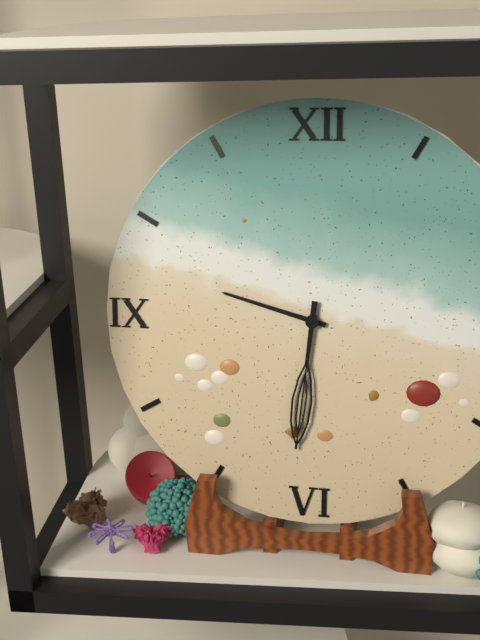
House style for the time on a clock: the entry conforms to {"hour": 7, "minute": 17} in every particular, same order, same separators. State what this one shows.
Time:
{"hour": 9, "minute": 31}
